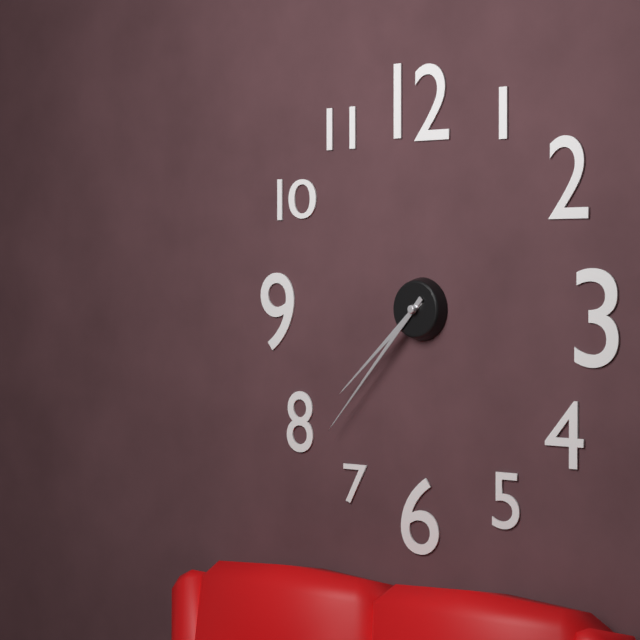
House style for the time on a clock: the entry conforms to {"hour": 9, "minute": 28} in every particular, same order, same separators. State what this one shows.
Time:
{"hour": 7, "minute": 37}
